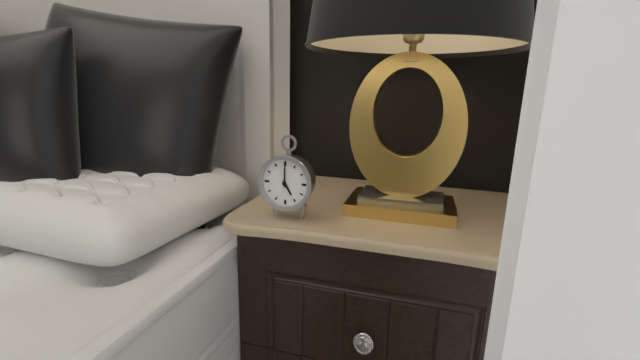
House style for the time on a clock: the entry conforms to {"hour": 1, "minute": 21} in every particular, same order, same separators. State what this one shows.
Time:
{"hour": 5, "minute": 0}
